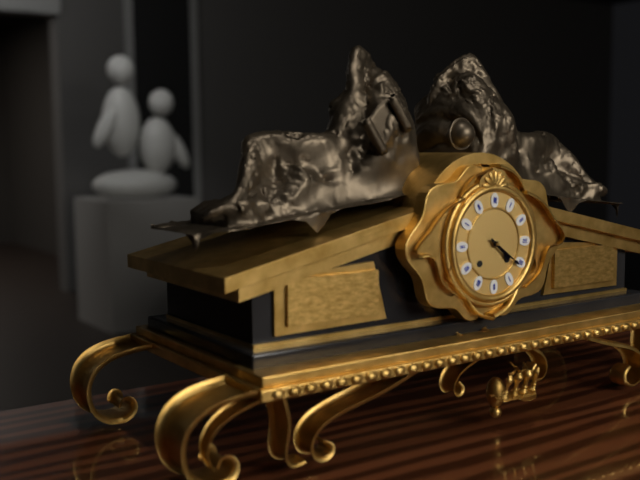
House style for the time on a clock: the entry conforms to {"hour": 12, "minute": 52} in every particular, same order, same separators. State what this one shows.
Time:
{"hour": 4, "minute": 21}
